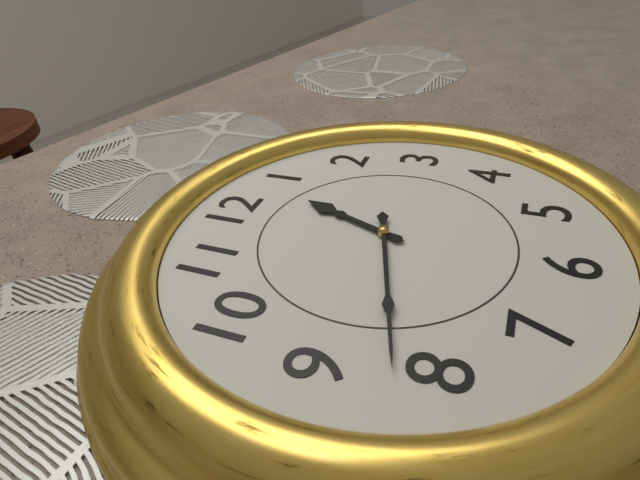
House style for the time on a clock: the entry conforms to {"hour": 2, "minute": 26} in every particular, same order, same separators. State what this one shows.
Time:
{"hour": 12, "minute": 42}
